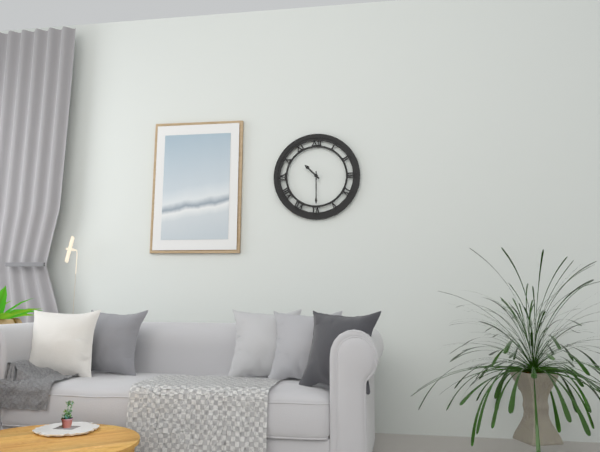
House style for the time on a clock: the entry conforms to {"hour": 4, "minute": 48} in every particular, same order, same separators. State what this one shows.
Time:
{"hour": 10, "minute": 30}
